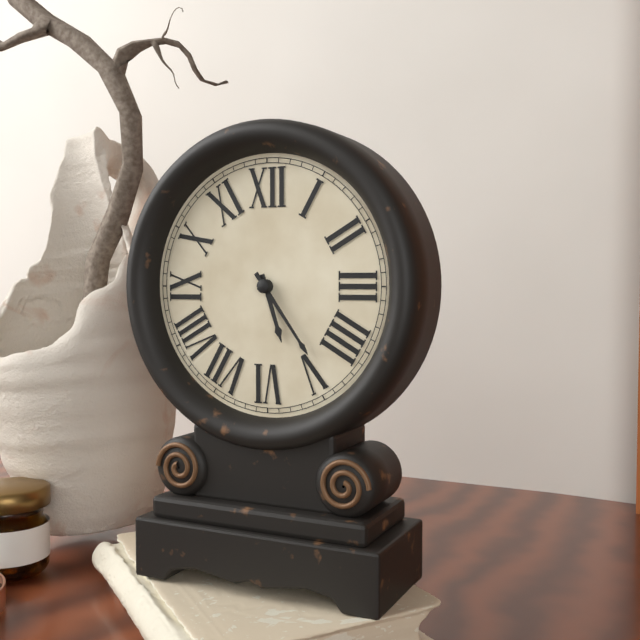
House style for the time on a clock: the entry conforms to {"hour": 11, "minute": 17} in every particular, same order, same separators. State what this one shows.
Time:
{"hour": 5, "minute": 24}
